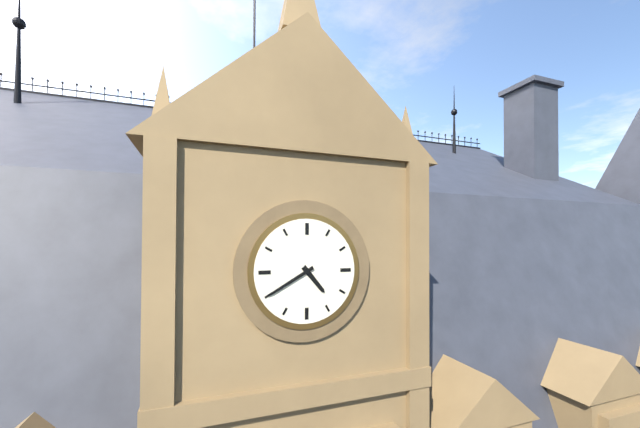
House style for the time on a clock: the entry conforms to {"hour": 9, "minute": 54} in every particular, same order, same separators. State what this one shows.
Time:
{"hour": 4, "minute": 40}
